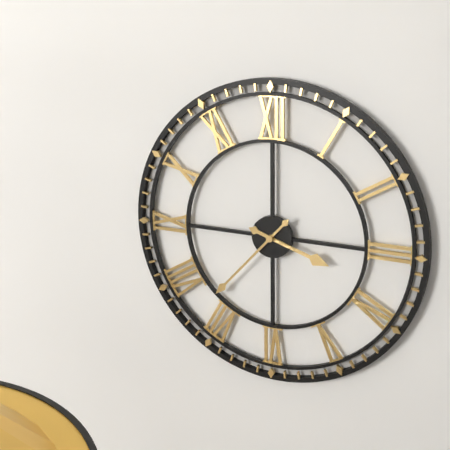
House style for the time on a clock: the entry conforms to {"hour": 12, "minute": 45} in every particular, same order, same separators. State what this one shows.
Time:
{"hour": 3, "minute": 37}
